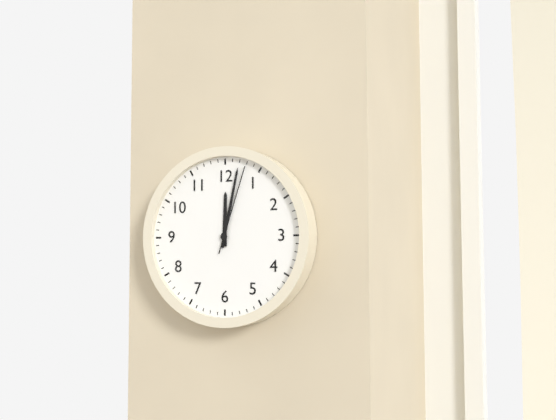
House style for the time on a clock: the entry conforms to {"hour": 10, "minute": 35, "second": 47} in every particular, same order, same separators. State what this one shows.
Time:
{"hour": 12, "minute": 2, "second": 3}
